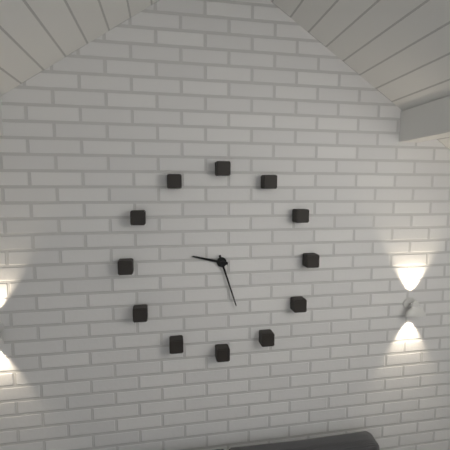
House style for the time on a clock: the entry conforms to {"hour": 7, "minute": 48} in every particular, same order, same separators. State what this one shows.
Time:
{"hour": 9, "minute": 27}
